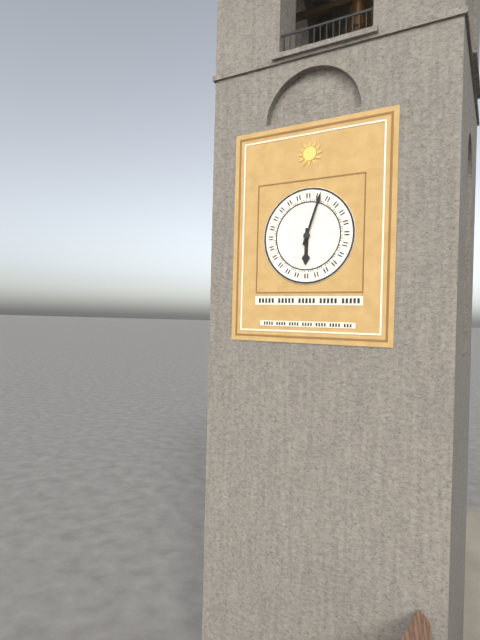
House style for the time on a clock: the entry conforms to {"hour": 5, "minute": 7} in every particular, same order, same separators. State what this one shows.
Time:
{"hour": 6, "minute": 3}
